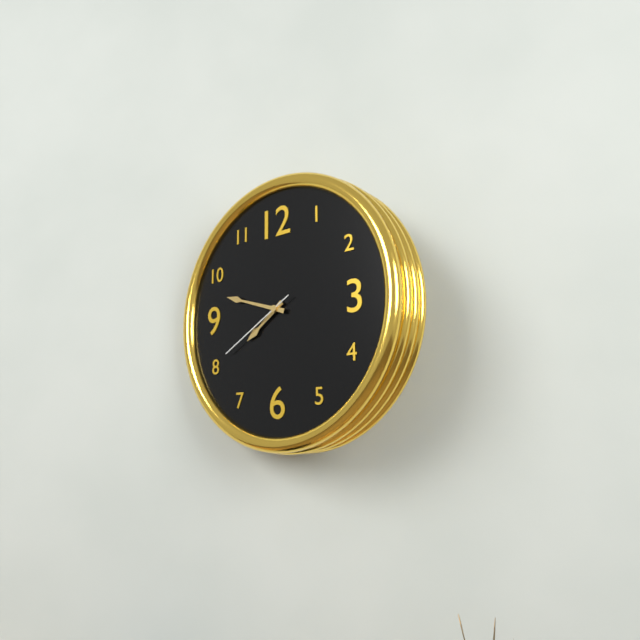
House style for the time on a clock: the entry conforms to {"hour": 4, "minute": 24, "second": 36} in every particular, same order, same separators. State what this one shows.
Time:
{"hour": 7, "minute": 48, "second": 40}
